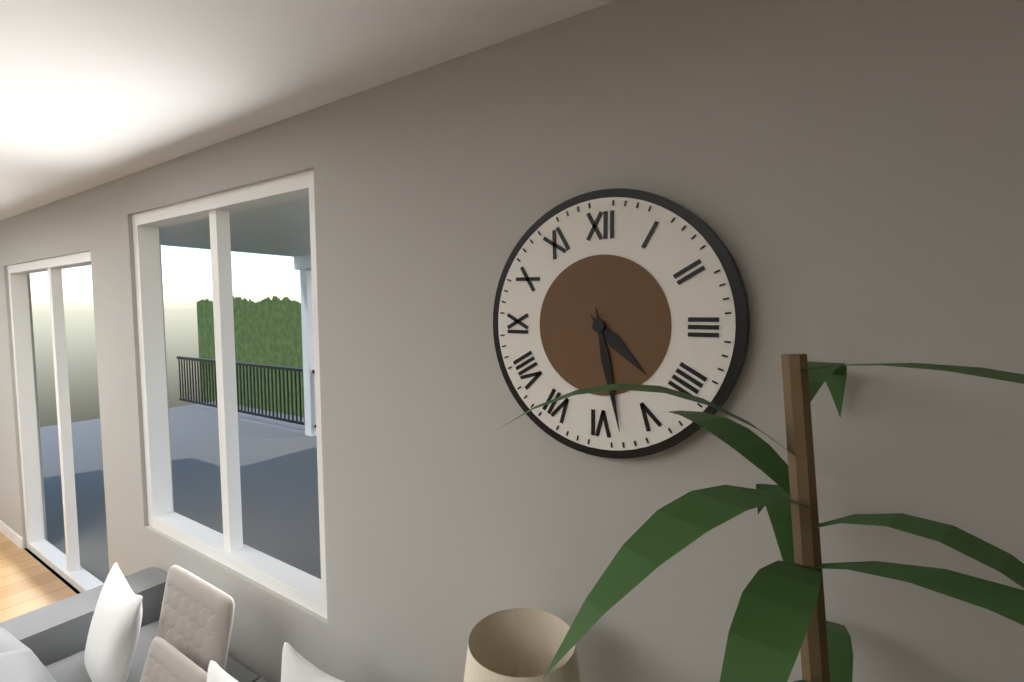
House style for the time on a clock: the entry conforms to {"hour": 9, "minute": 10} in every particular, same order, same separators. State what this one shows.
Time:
{"hour": 4, "minute": 28}
